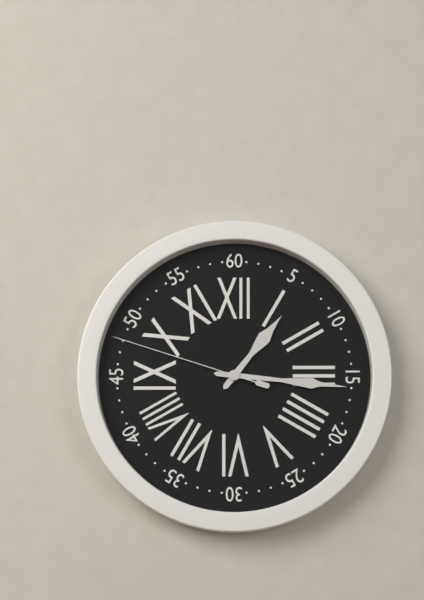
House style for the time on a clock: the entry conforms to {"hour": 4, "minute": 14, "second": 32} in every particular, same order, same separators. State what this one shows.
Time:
{"hour": 1, "minute": 16, "second": 48}
